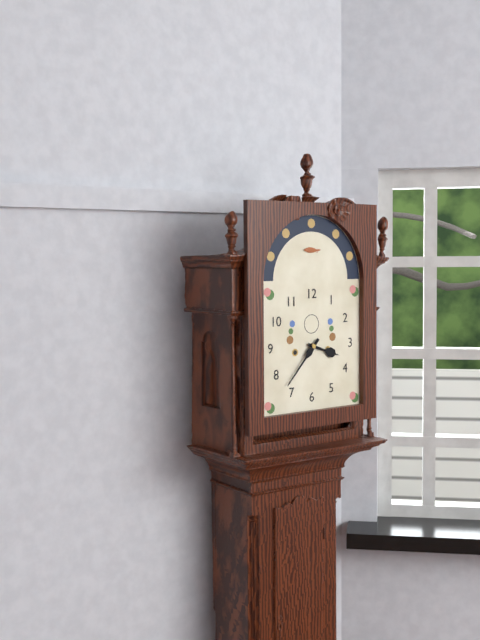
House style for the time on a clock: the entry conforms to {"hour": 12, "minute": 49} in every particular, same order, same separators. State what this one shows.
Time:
{"hour": 3, "minute": 37}
